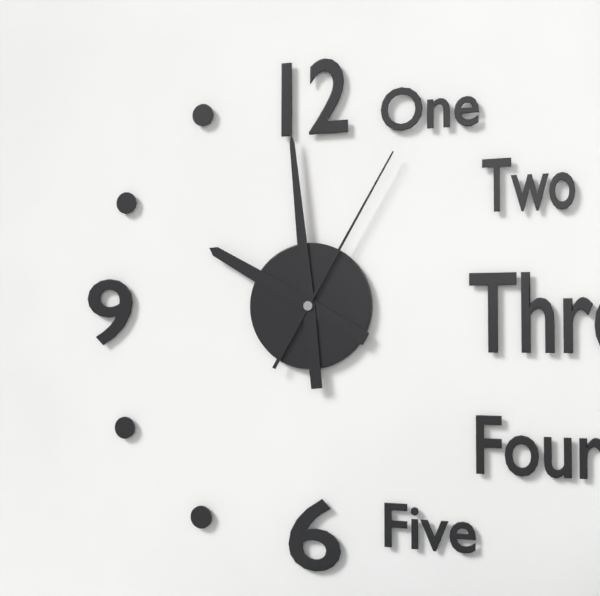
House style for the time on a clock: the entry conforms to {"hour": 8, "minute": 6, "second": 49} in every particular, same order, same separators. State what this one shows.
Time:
{"hour": 9, "minute": 59, "second": 5}
